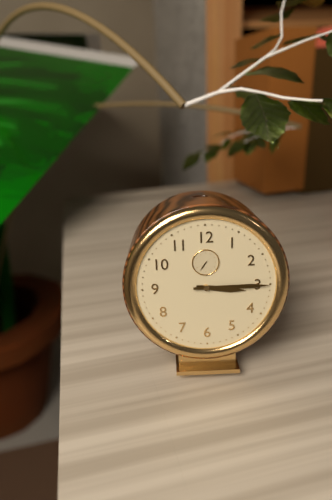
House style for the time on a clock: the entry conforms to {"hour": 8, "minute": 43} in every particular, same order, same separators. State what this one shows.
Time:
{"hour": 3, "minute": 15}
